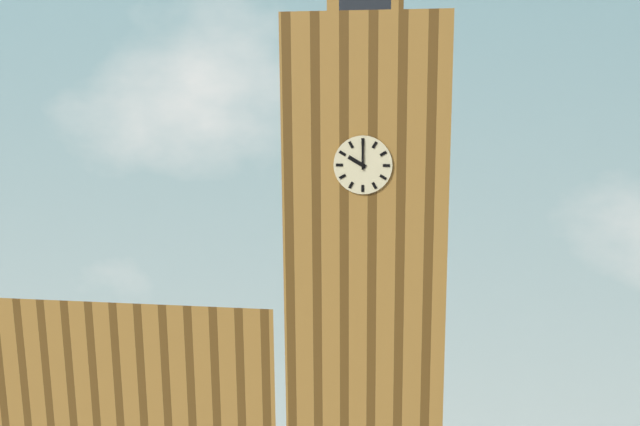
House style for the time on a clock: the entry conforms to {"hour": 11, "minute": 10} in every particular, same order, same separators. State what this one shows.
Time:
{"hour": 10, "minute": 0}
